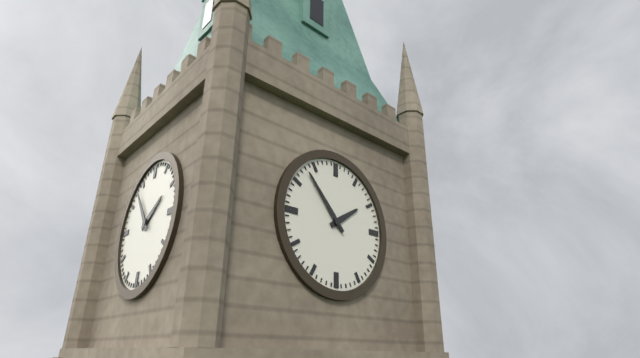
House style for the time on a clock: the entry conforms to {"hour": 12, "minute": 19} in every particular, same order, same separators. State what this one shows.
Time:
{"hour": 1, "minute": 53}
